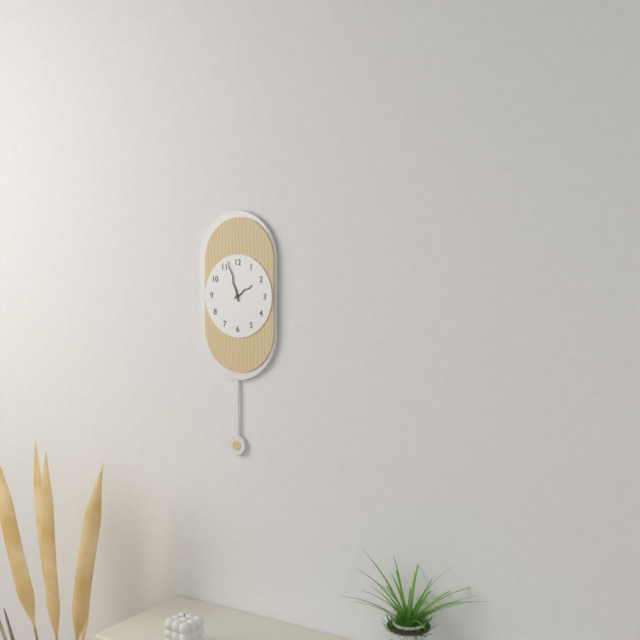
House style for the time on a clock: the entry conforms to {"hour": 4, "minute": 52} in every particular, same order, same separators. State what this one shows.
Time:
{"hour": 1, "minute": 57}
